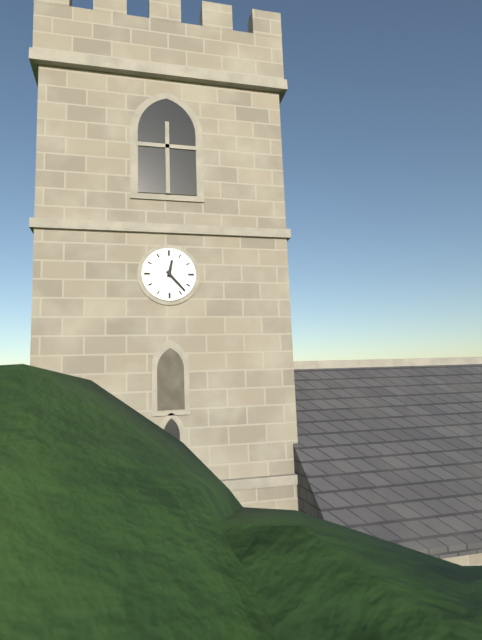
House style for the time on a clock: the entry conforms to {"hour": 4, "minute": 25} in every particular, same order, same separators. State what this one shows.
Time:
{"hour": 12, "minute": 23}
